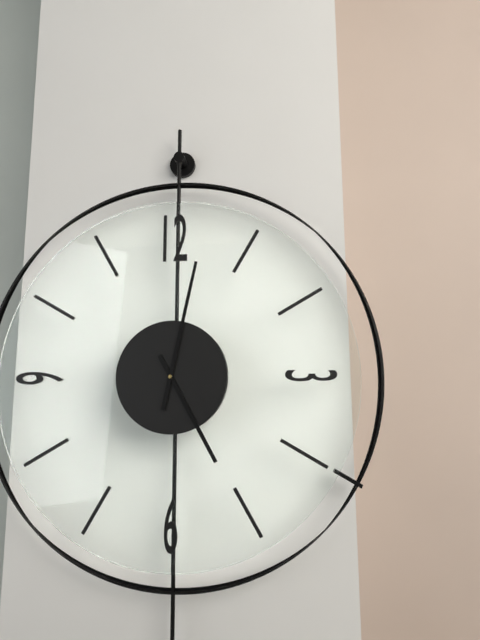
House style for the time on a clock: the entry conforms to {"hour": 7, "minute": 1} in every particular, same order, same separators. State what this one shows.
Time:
{"hour": 5, "minute": 2}
